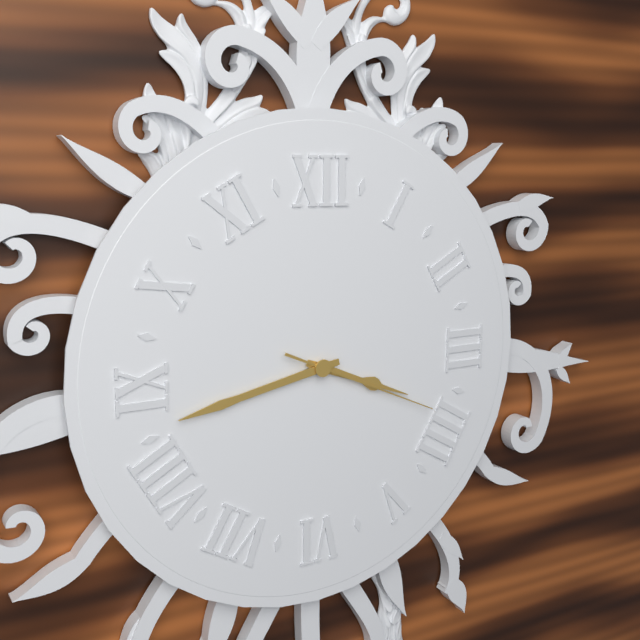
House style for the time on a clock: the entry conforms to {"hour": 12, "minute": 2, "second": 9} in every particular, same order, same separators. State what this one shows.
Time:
{"hour": 3, "minute": 43, "second": 19}
